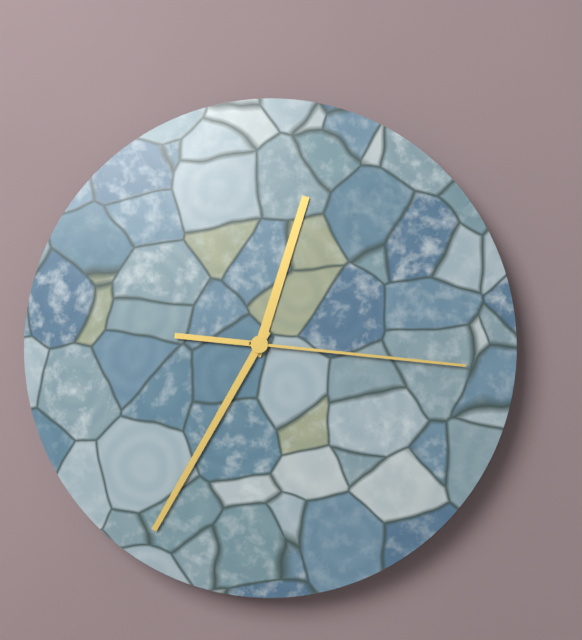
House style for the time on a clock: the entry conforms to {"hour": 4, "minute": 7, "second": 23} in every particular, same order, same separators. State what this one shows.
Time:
{"hour": 12, "minute": 35, "second": 16}
